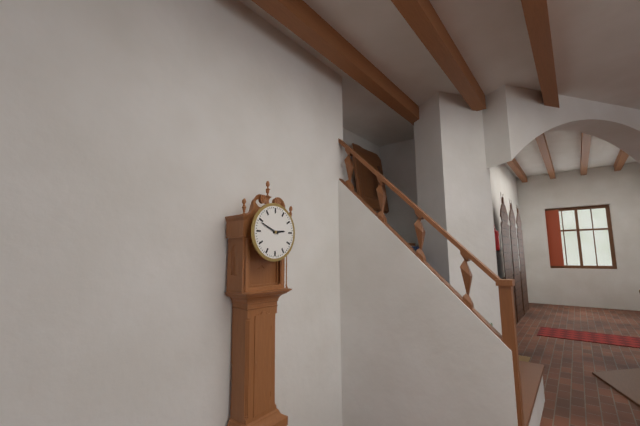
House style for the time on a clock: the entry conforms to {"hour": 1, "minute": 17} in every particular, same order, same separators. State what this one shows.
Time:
{"hour": 2, "minute": 49}
